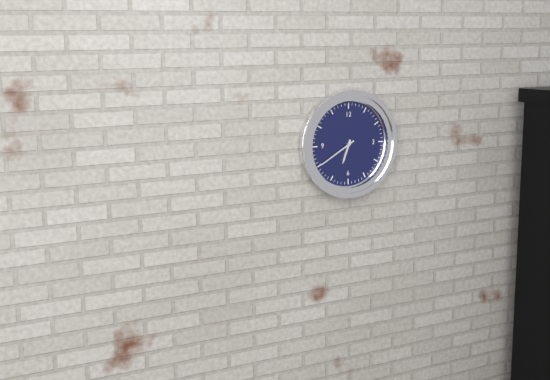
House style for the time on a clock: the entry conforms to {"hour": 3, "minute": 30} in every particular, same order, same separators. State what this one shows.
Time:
{"hour": 6, "minute": 40}
